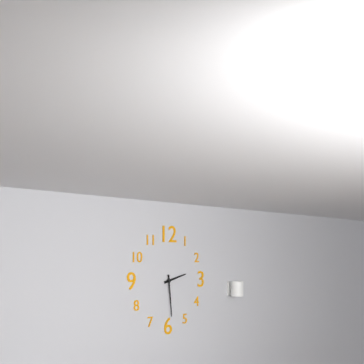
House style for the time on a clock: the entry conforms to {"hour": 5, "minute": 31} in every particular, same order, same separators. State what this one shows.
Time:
{"hour": 2, "minute": 29}
